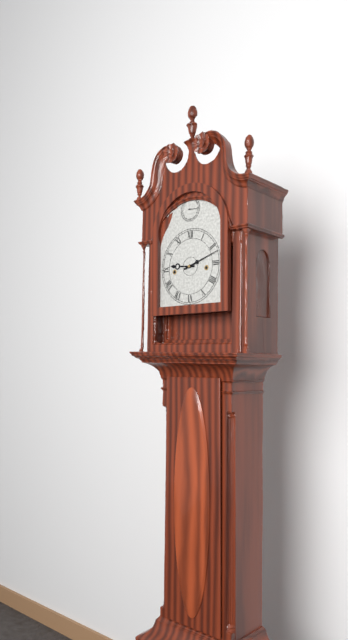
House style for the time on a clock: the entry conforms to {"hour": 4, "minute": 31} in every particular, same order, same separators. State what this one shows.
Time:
{"hour": 9, "minute": 12}
